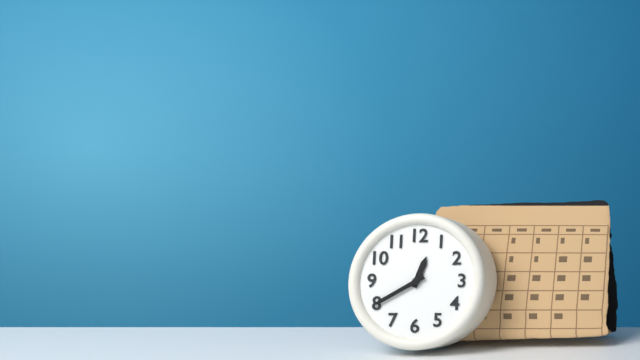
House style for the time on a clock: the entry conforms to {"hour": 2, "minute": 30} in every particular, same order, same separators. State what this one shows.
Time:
{"hour": 12, "minute": 40}
